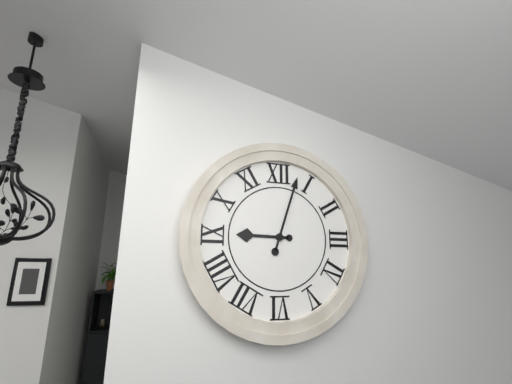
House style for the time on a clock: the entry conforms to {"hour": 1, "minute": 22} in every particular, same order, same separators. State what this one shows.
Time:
{"hour": 9, "minute": 3}
